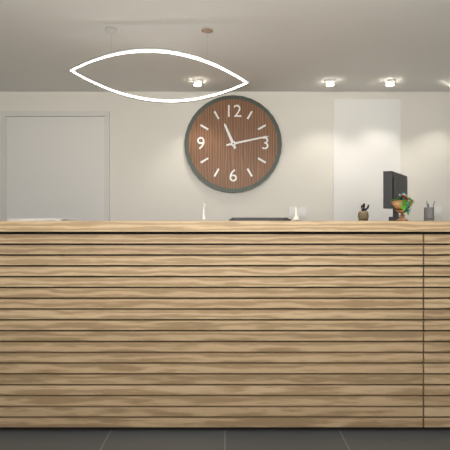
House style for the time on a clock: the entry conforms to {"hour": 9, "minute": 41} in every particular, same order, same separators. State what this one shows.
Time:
{"hour": 11, "minute": 13}
